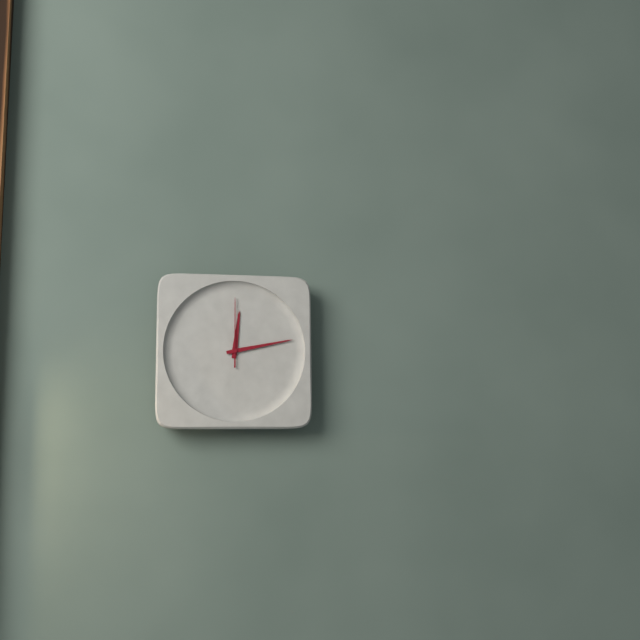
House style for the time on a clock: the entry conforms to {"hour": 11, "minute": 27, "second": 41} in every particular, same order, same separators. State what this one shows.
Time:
{"hour": 12, "minute": 13, "second": 0}
